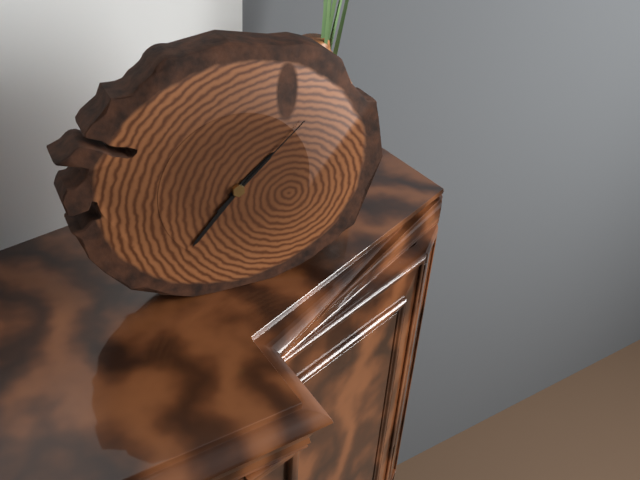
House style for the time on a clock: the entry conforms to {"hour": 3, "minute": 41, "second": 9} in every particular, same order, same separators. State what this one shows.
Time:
{"hour": 1, "minute": 37, "second": 8}
